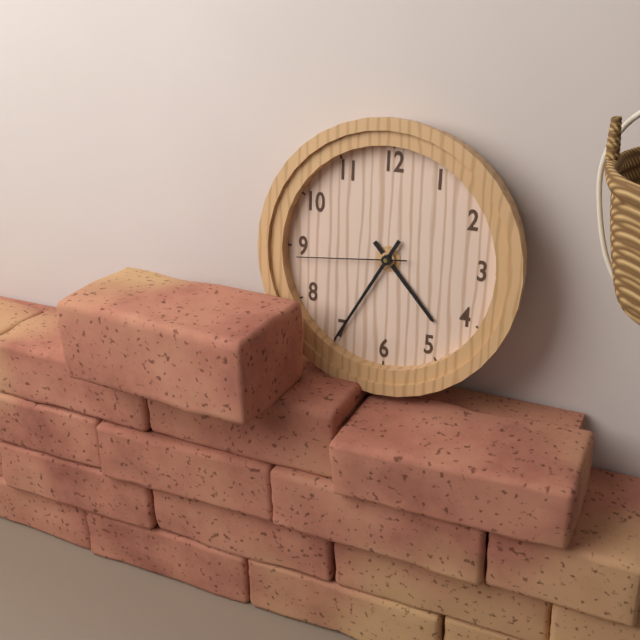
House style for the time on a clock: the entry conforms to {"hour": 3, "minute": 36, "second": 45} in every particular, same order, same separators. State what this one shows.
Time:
{"hour": 4, "minute": 35, "second": 44}
